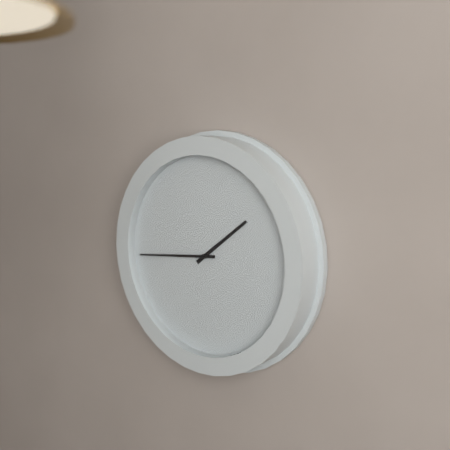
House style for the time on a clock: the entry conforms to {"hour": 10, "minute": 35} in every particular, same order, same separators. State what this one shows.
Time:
{"hour": 1, "minute": 44}
